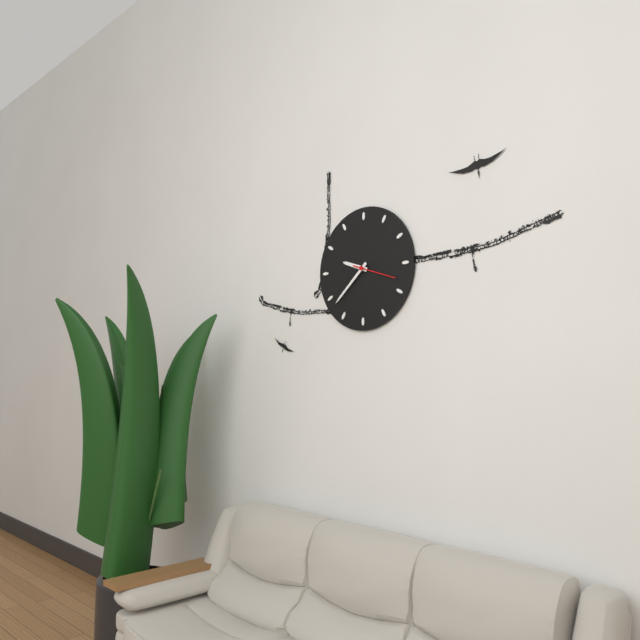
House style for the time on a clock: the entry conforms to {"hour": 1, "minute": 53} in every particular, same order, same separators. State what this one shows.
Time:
{"hour": 9, "minute": 38}
